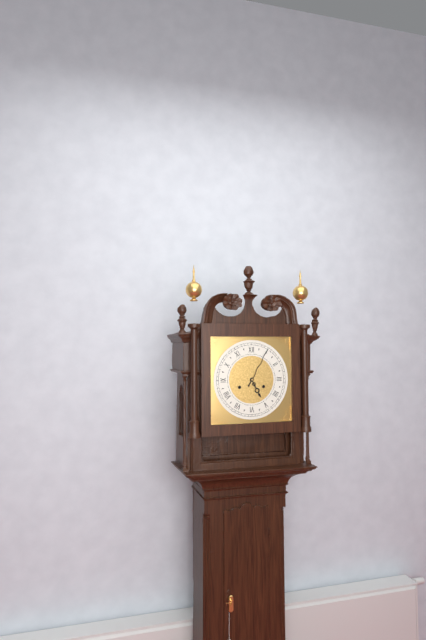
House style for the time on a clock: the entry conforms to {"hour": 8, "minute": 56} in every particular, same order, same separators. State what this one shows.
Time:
{"hour": 5, "minute": 5}
